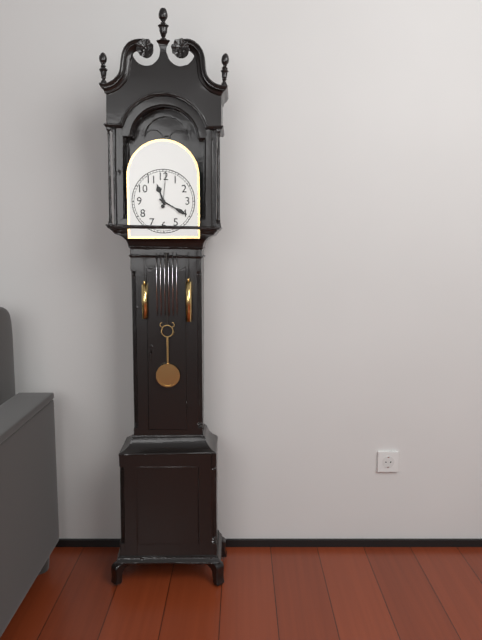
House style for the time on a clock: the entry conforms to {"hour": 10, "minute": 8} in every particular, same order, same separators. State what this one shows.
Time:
{"hour": 11, "minute": 20}
